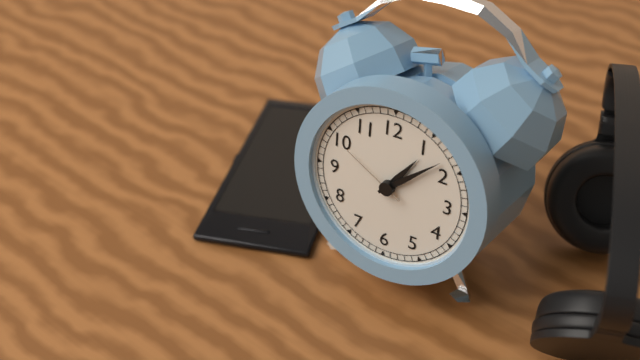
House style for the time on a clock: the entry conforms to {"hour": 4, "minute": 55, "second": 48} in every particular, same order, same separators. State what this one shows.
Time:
{"hour": 1, "minute": 8, "second": 50}
